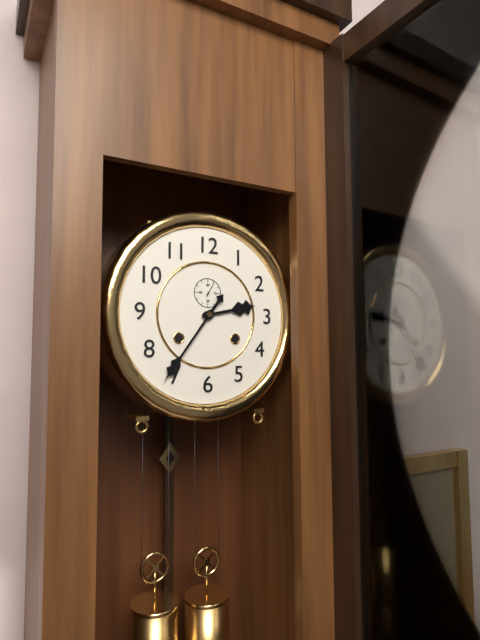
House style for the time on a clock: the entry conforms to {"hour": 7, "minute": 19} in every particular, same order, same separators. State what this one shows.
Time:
{"hour": 2, "minute": 36}
